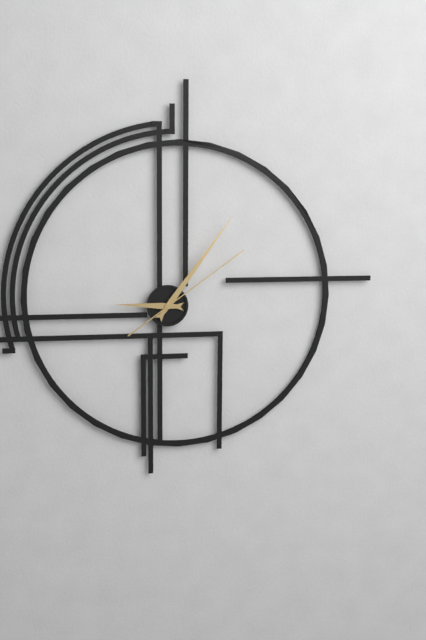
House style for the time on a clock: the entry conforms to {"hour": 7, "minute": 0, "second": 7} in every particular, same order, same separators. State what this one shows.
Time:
{"hour": 9, "minute": 6, "second": 9}
